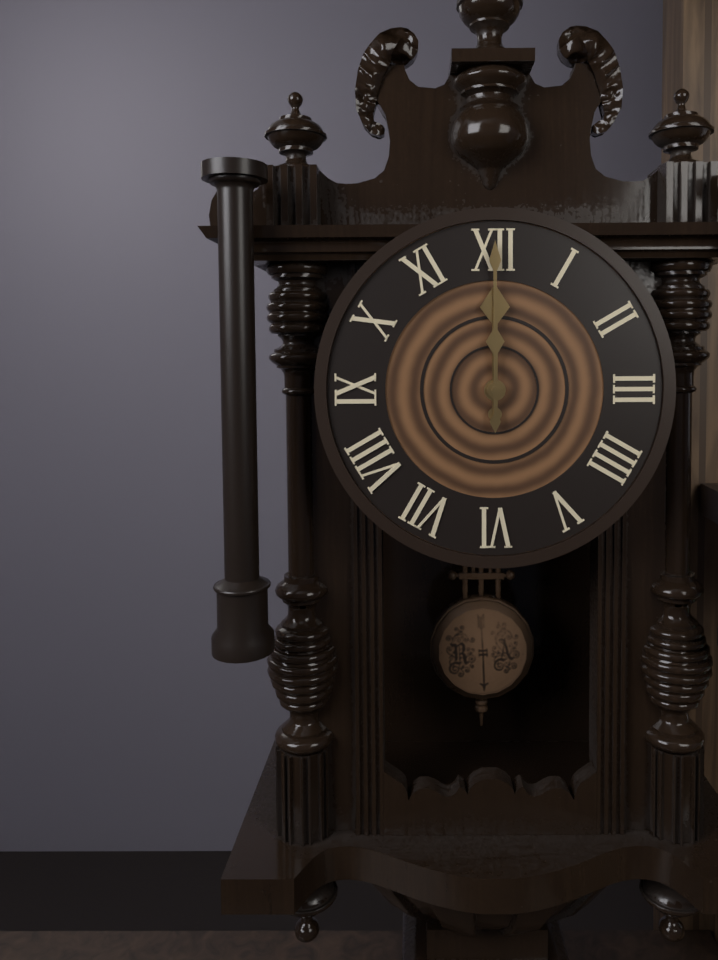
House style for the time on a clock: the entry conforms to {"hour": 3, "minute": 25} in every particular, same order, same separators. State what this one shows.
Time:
{"hour": 12, "minute": 0}
